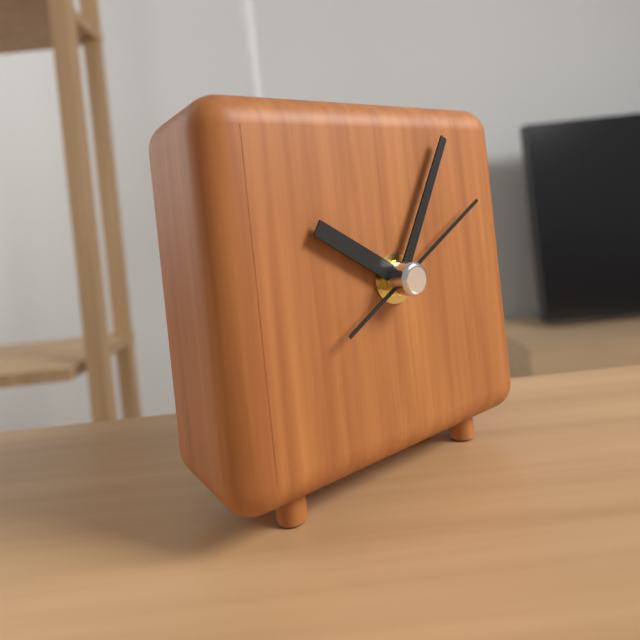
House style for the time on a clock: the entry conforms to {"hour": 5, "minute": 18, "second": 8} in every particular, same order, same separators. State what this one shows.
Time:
{"hour": 10, "minute": 5, "second": 10}
